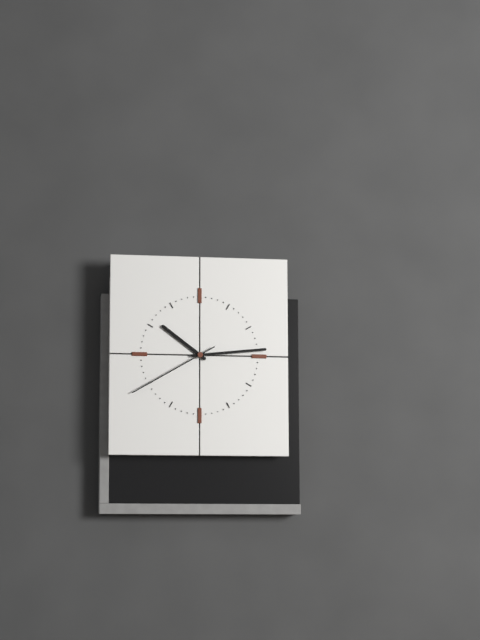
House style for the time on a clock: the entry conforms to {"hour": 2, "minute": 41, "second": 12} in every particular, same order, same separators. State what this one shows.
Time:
{"hour": 10, "minute": 14, "second": 40}
